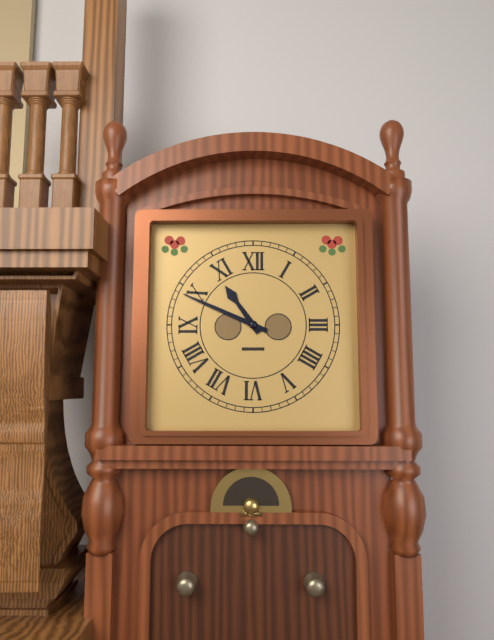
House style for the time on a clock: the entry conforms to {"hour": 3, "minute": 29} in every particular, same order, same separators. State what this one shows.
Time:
{"hour": 10, "minute": 49}
